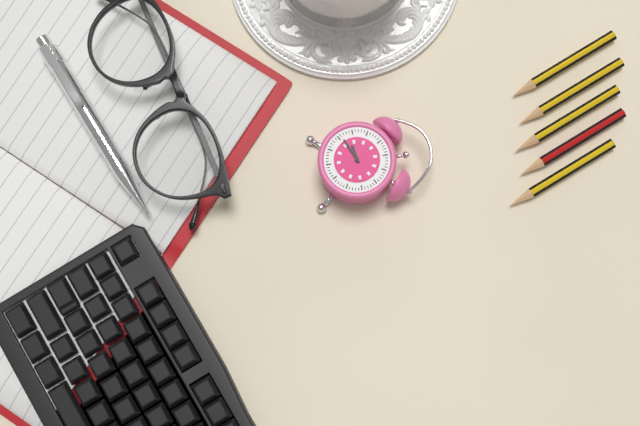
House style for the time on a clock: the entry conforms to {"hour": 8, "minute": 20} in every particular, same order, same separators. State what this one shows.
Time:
{"hour": 8, "minute": 41}
